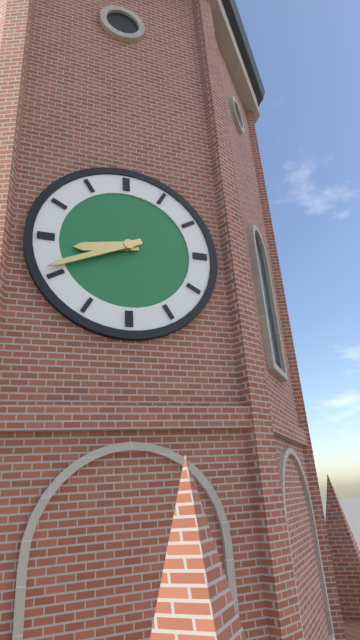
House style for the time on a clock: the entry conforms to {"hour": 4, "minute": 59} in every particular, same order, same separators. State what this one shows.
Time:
{"hour": 8, "minute": 41}
